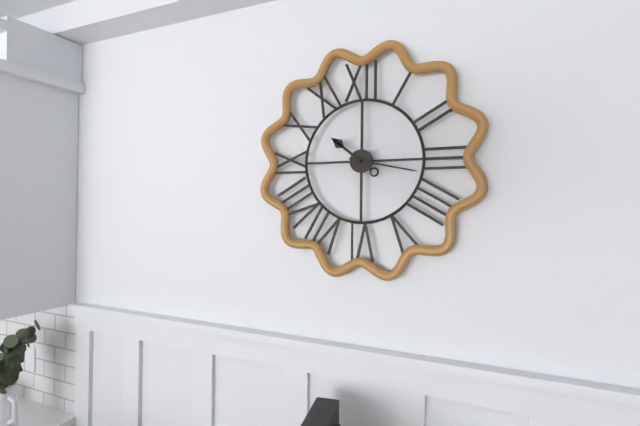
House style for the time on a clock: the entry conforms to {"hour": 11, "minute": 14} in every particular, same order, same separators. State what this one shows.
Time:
{"hour": 10, "minute": 17}
